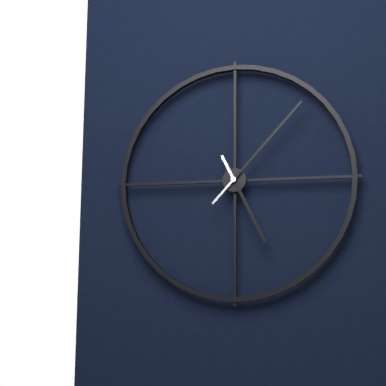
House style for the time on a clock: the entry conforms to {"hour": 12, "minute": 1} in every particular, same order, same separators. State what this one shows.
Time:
{"hour": 5, "minute": 7}
